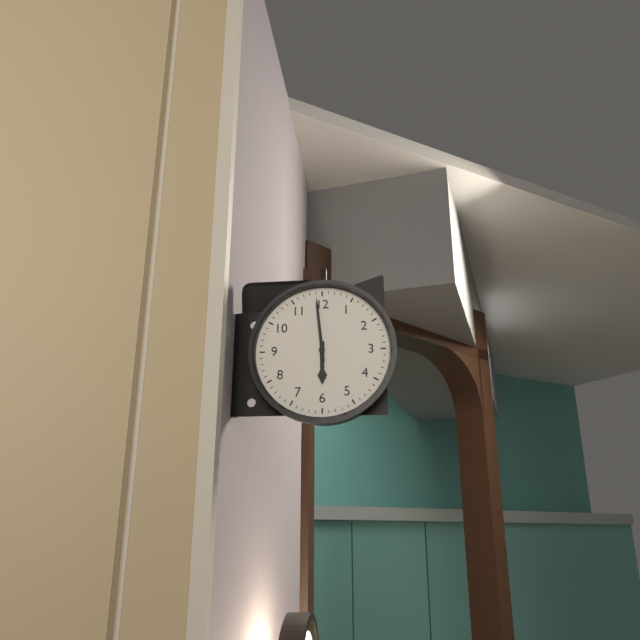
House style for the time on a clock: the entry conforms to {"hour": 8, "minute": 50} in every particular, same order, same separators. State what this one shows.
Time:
{"hour": 5, "minute": 59}
